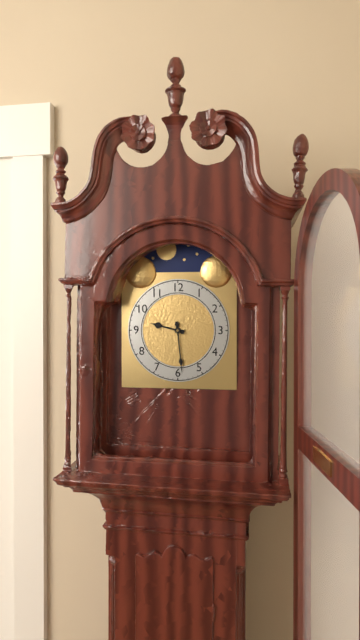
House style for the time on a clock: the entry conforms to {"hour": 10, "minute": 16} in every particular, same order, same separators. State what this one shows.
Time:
{"hour": 9, "minute": 29}
